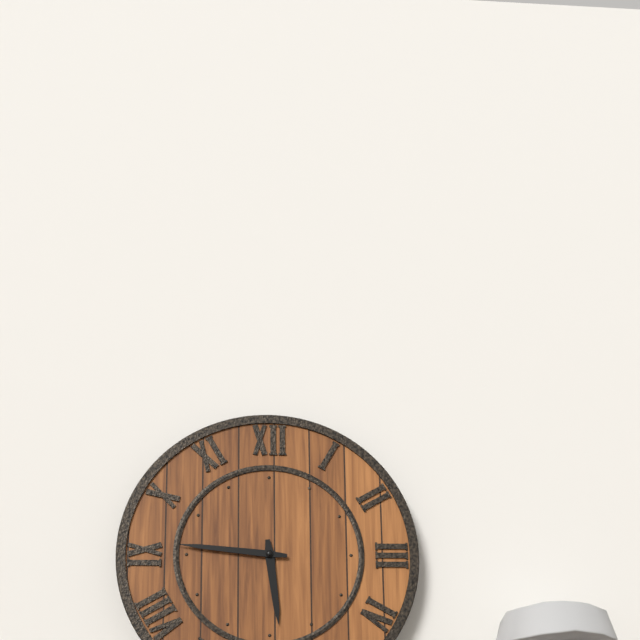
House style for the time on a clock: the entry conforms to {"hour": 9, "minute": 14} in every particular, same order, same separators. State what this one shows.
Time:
{"hour": 5, "minute": 46}
